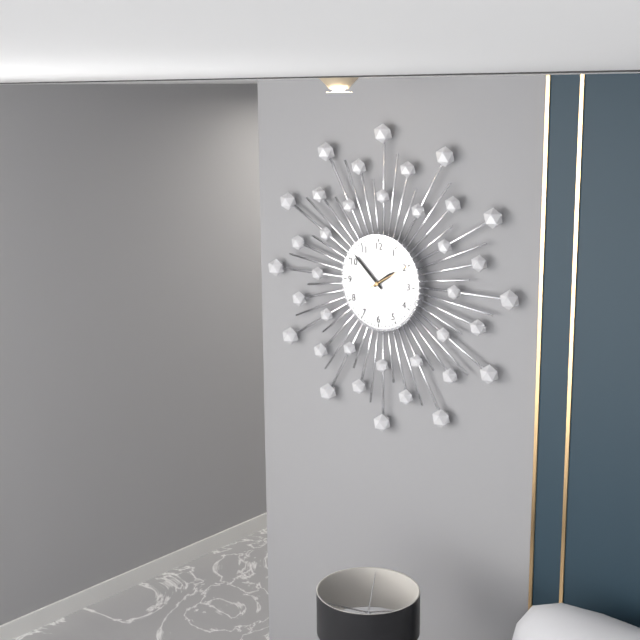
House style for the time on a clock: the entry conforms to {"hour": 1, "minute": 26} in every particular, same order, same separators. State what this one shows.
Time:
{"hour": 1, "minute": 52}
